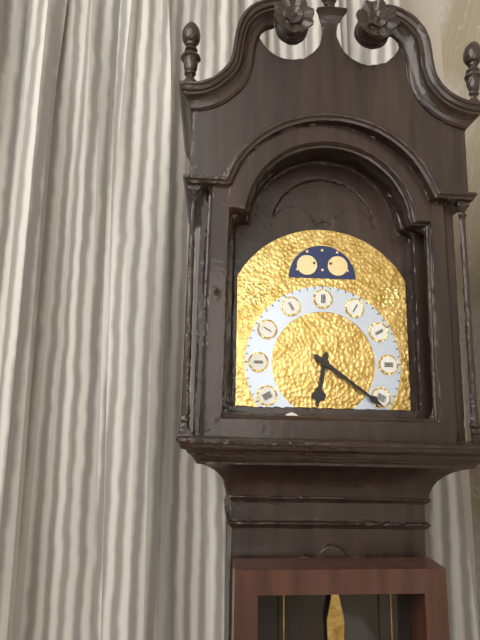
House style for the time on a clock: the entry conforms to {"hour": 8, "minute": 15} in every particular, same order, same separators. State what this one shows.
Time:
{"hour": 6, "minute": 21}
